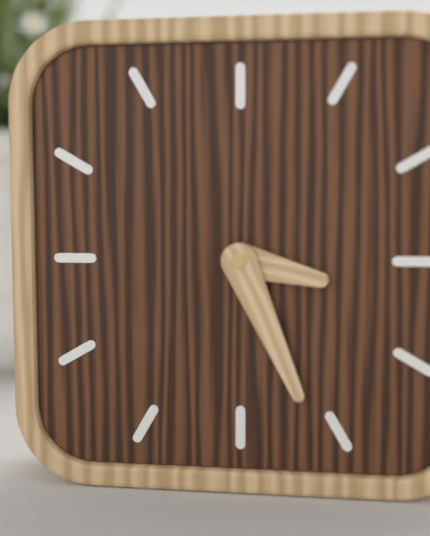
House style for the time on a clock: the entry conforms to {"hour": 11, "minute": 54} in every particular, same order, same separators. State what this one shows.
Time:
{"hour": 3, "minute": 26}
